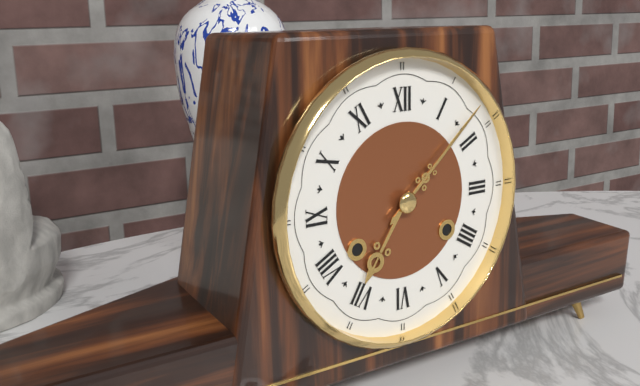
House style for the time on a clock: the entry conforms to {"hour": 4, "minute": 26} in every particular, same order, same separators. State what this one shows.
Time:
{"hour": 7, "minute": 8}
